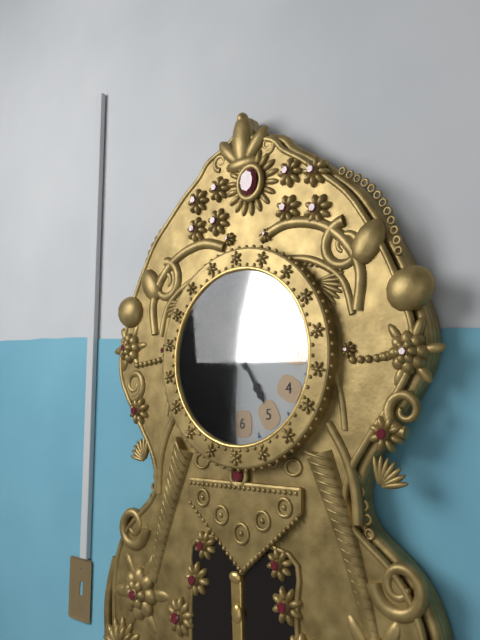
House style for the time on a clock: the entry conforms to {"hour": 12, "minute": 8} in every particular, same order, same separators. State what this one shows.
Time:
{"hour": 4, "minute": 56}
